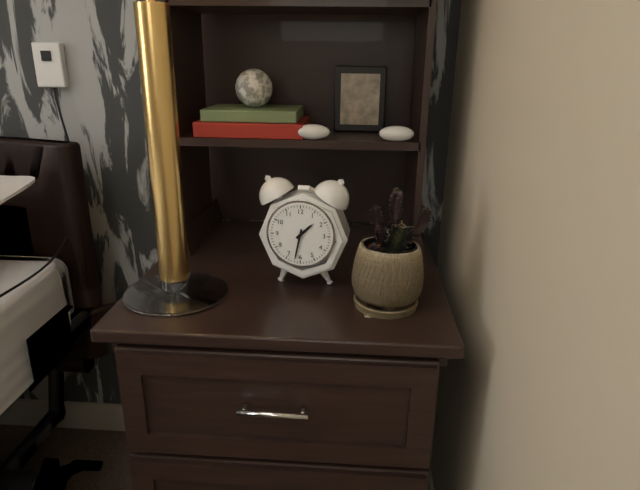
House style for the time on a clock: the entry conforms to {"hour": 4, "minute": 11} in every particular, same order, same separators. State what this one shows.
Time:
{"hour": 1, "minute": 32}
